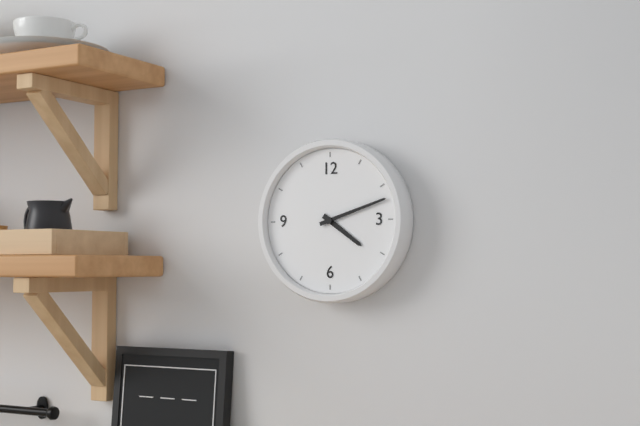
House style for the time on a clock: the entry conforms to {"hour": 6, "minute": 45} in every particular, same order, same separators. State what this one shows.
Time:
{"hour": 4, "minute": 12}
